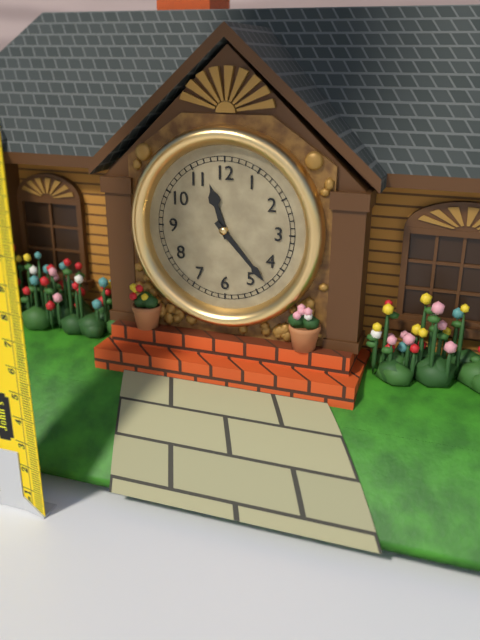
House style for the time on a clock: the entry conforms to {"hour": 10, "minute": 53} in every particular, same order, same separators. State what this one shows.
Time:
{"hour": 11, "minute": 23}
